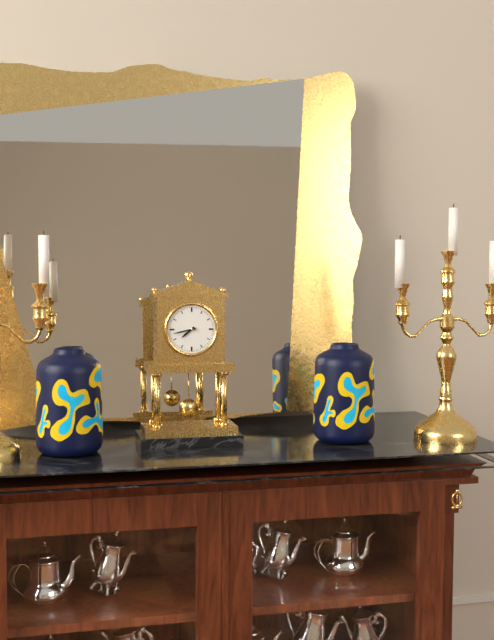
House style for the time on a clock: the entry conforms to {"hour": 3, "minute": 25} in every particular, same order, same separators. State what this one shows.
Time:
{"hour": 7, "minute": 43}
